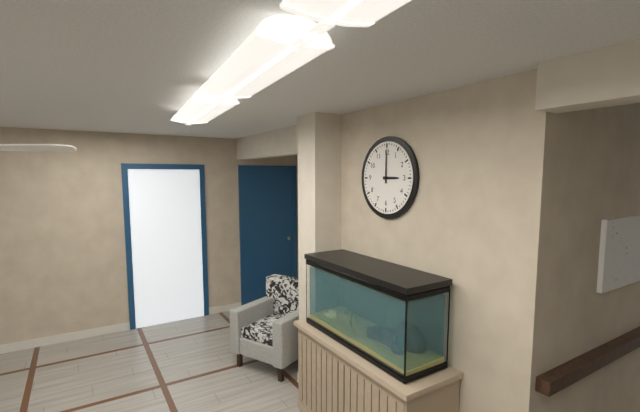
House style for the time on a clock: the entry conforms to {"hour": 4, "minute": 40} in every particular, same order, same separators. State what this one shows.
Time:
{"hour": 3, "minute": 0}
